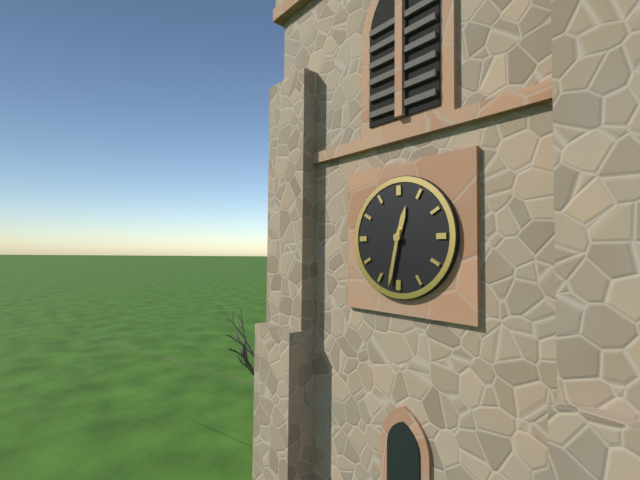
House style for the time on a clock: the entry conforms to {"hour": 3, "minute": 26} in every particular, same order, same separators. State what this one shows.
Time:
{"hour": 12, "minute": 32}
